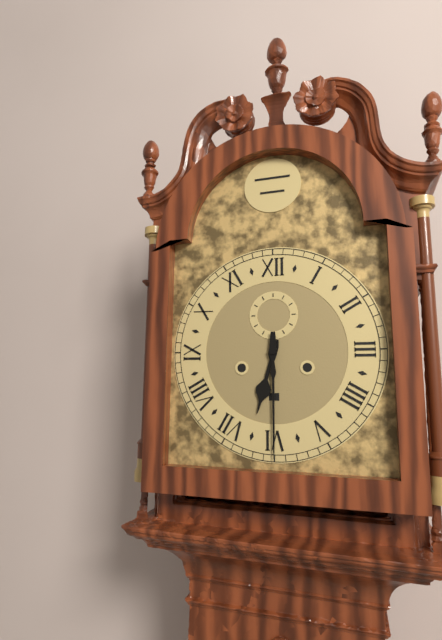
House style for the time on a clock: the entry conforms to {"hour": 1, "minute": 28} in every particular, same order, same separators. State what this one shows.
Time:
{"hour": 6, "minute": 30}
